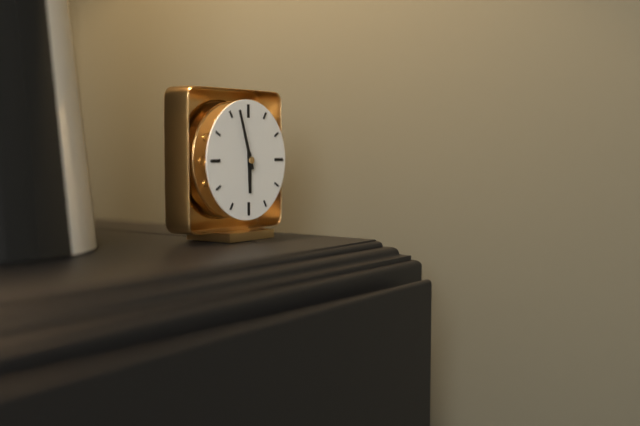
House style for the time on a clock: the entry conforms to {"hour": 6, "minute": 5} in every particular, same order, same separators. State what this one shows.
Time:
{"hour": 5, "minute": 57}
